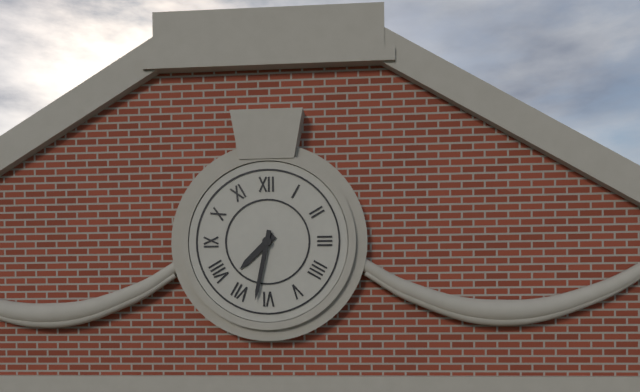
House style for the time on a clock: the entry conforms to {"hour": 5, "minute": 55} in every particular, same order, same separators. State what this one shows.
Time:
{"hour": 7, "minute": 32}
